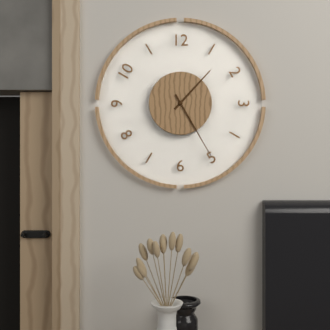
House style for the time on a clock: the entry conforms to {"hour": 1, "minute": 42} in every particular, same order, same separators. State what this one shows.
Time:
{"hour": 1, "minute": 25}
